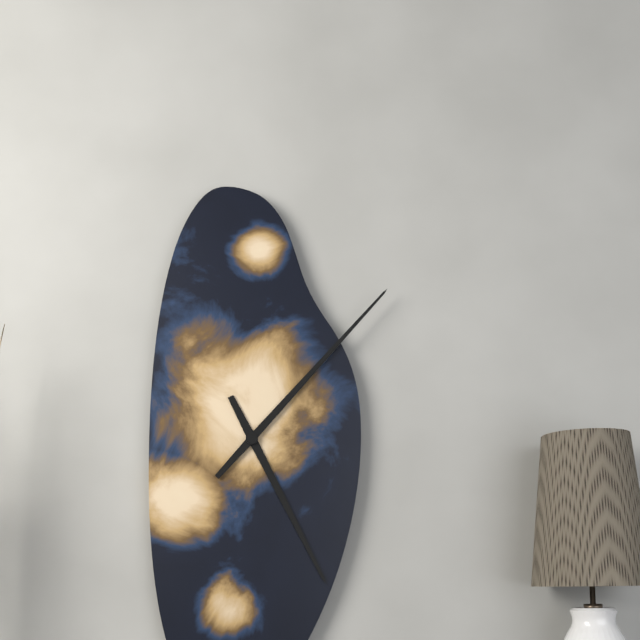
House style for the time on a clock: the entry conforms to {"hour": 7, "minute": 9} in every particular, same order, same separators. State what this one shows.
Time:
{"hour": 5, "minute": 7}
